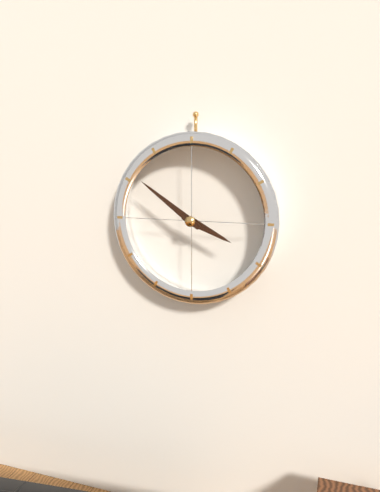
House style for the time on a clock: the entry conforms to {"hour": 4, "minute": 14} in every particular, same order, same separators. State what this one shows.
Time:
{"hour": 3, "minute": 51}
